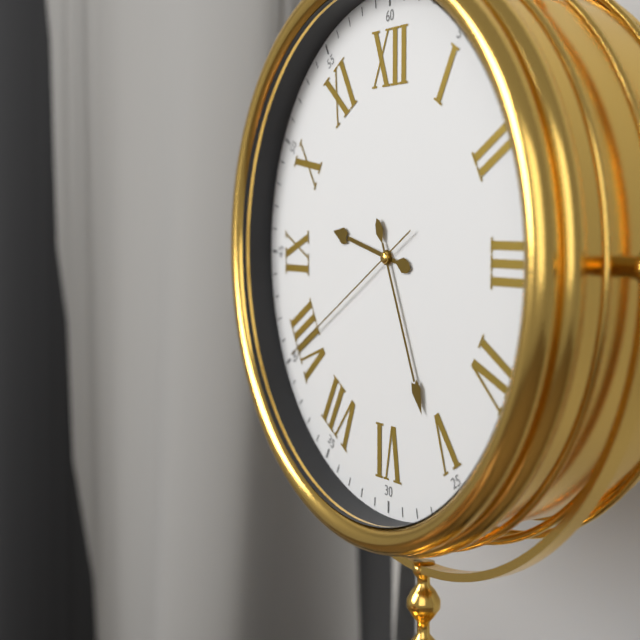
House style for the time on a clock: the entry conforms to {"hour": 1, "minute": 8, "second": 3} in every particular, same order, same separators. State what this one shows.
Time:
{"hour": 9, "minute": 26, "second": 40}
